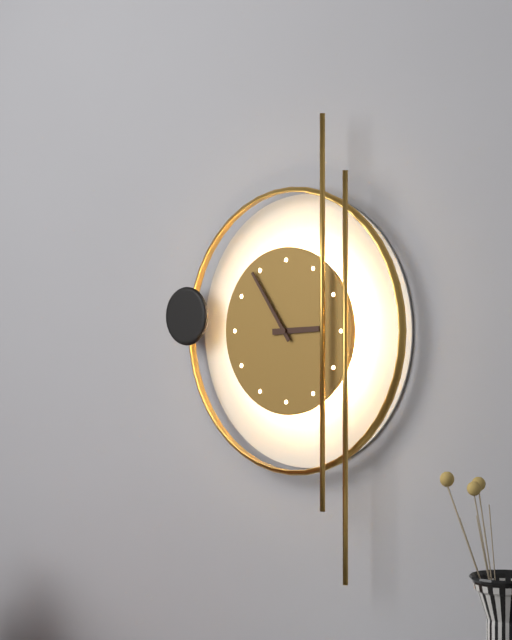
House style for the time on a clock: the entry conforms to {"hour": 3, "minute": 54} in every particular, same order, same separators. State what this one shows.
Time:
{"hour": 2, "minute": 54}
